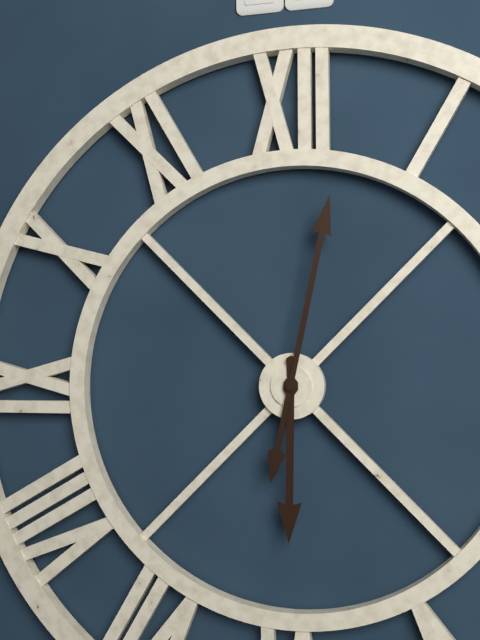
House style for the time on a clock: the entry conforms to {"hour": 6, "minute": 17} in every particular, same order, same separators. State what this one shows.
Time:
{"hour": 6, "minute": 2}
